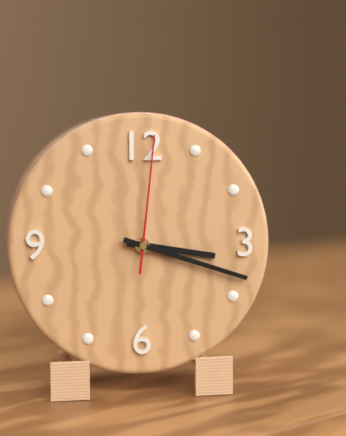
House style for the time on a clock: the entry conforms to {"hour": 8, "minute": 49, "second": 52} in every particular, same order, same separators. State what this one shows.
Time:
{"hour": 3, "minute": 18, "second": 1}
